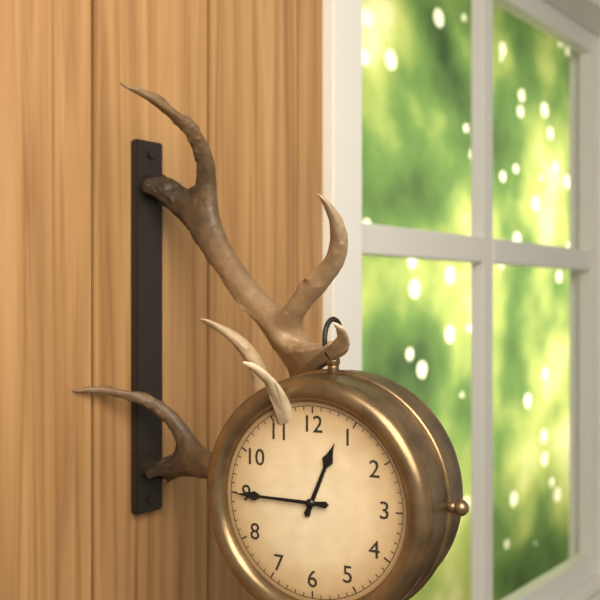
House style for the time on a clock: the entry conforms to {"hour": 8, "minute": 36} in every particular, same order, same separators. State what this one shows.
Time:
{"hour": 12, "minute": 45}
